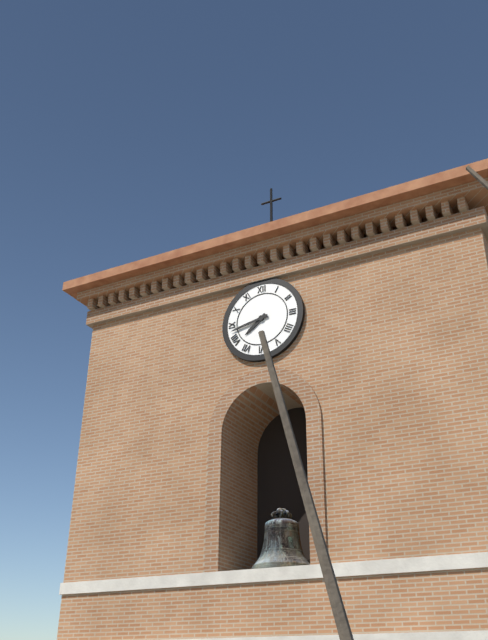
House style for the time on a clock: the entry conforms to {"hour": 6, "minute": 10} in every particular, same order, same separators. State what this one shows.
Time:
{"hour": 7, "minute": 43}
